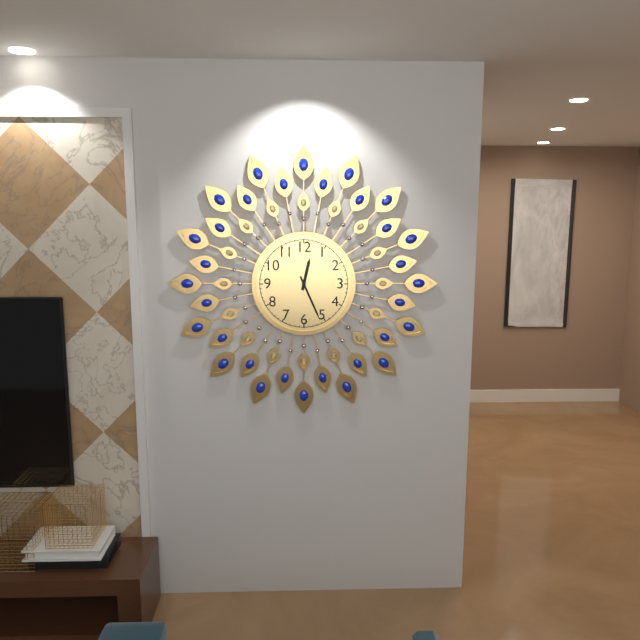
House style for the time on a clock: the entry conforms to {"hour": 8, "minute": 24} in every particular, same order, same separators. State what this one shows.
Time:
{"hour": 12, "minute": 26}
